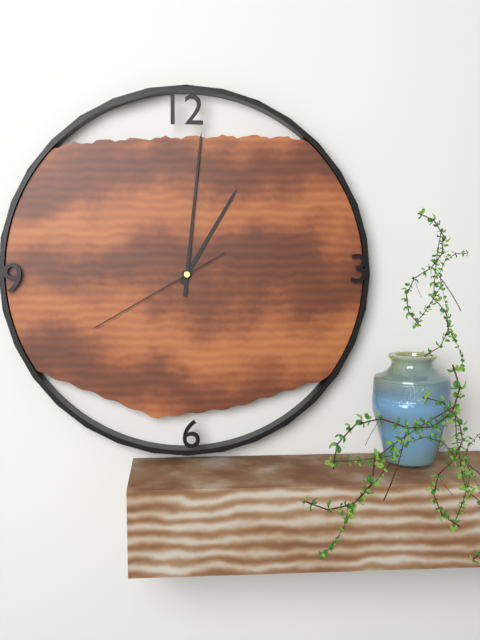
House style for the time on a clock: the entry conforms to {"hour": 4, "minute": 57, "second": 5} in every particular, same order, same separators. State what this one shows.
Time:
{"hour": 1, "minute": 1, "second": 40}
